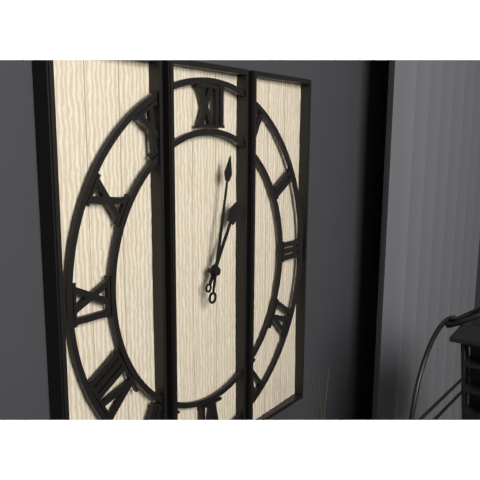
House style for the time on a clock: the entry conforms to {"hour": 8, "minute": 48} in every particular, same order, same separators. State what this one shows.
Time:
{"hour": 1, "minute": 2}
